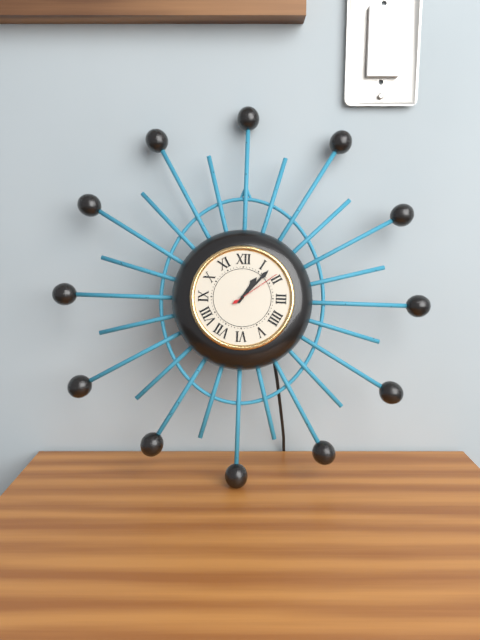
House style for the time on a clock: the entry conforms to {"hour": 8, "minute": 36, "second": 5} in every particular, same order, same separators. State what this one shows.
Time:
{"hour": 1, "minute": 7, "second": 9}
